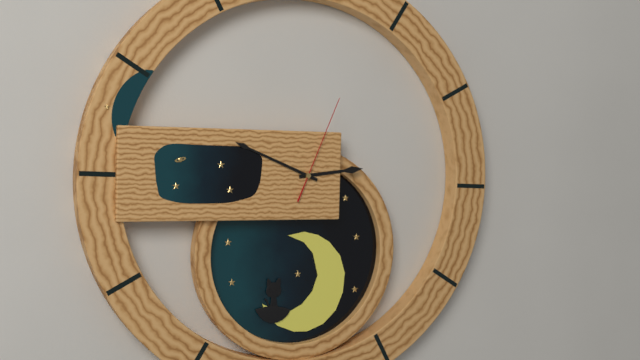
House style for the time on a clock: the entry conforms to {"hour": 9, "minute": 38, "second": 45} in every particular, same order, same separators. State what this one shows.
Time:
{"hour": 2, "minute": 49, "second": 4}
